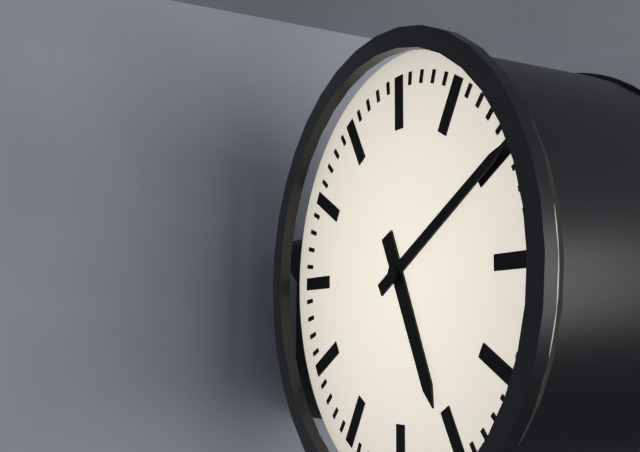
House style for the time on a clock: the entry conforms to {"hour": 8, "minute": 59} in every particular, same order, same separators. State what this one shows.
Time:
{"hour": 5, "minute": 10}
